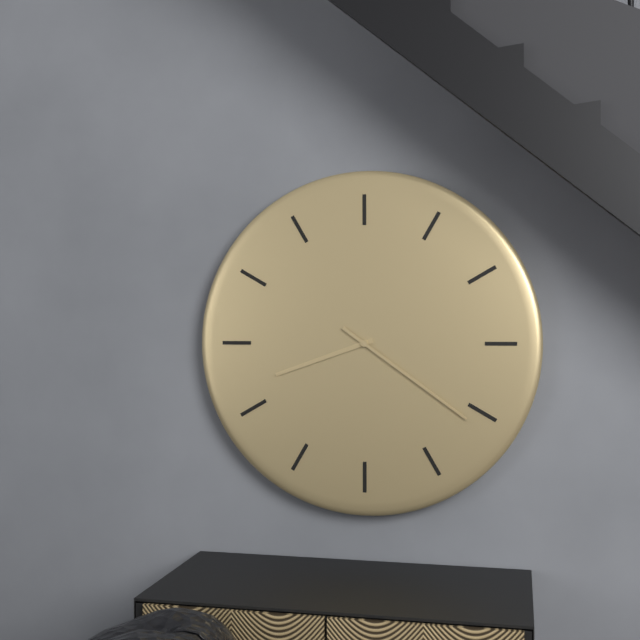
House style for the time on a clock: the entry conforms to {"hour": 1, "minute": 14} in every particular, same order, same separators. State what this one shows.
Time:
{"hour": 8, "minute": 21}
